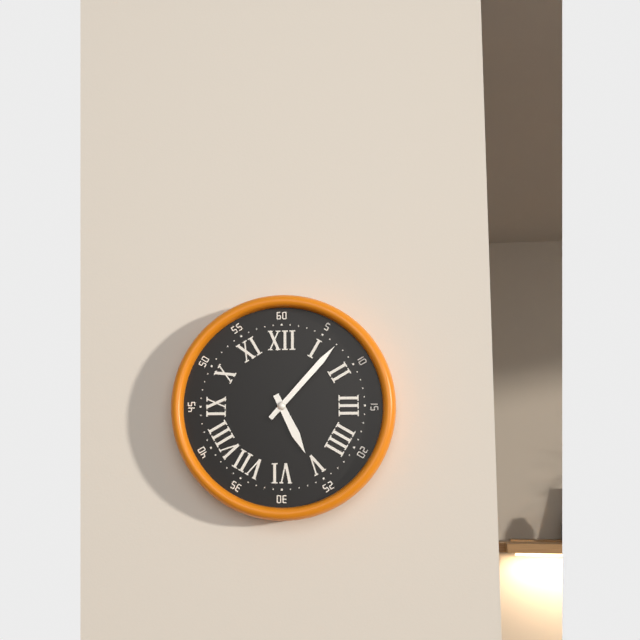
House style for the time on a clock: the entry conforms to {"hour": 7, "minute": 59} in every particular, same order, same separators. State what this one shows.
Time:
{"hour": 5, "minute": 7}
